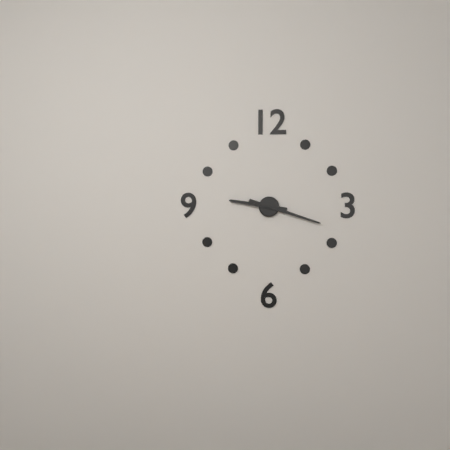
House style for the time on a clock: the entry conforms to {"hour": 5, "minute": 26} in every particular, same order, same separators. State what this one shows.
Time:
{"hour": 9, "minute": 18}
